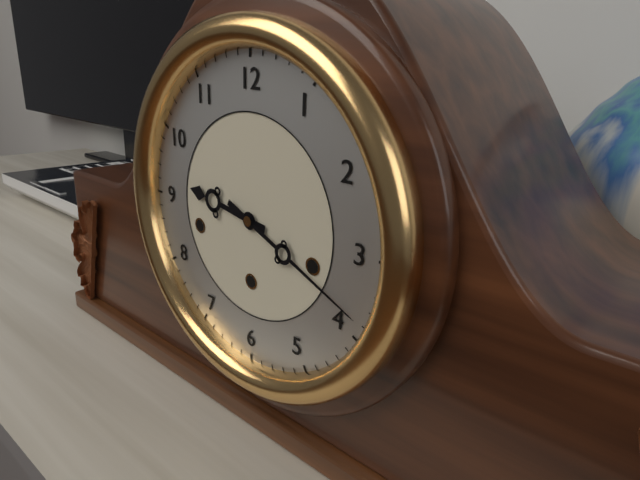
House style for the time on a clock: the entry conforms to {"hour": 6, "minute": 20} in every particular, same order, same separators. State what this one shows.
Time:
{"hour": 9, "minute": 19}
